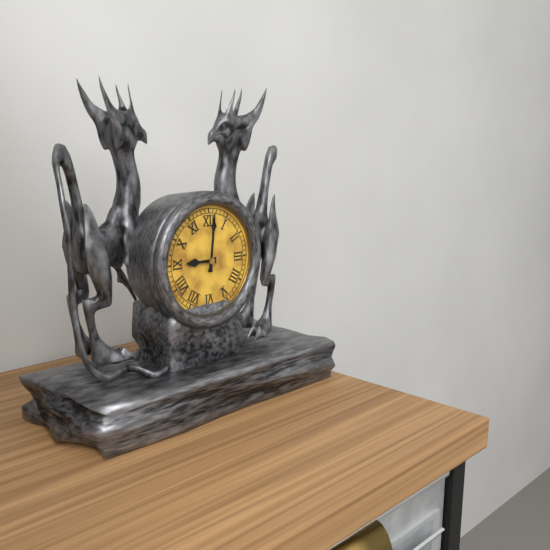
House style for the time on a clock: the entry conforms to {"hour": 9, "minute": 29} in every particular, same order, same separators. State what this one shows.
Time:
{"hour": 9, "minute": 1}
